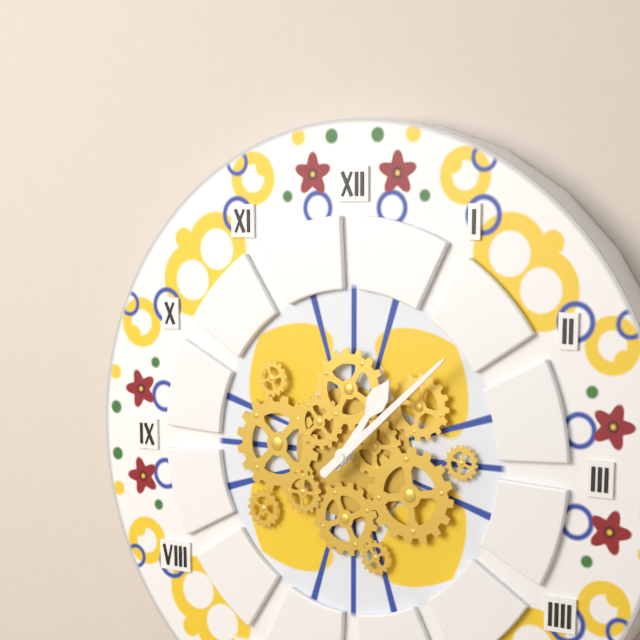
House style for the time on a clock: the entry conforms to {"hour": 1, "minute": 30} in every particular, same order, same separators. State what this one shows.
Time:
{"hour": 1, "minute": 8}
